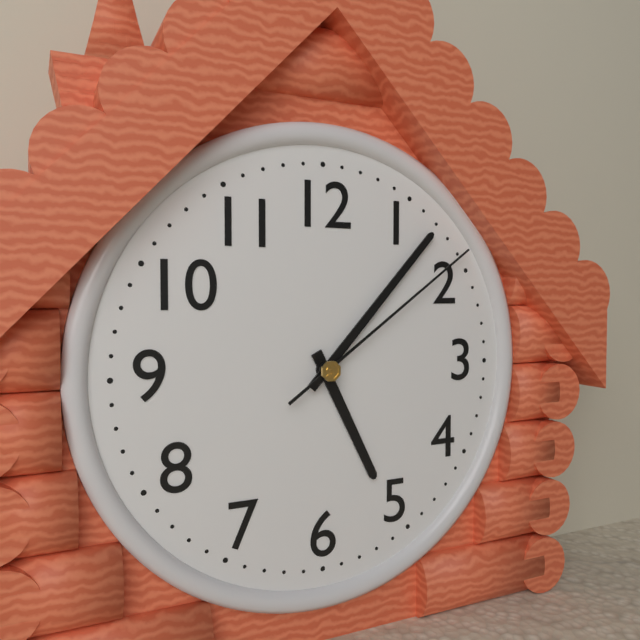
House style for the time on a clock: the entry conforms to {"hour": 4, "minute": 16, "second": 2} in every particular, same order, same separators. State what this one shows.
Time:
{"hour": 5, "minute": 7, "second": 9}
